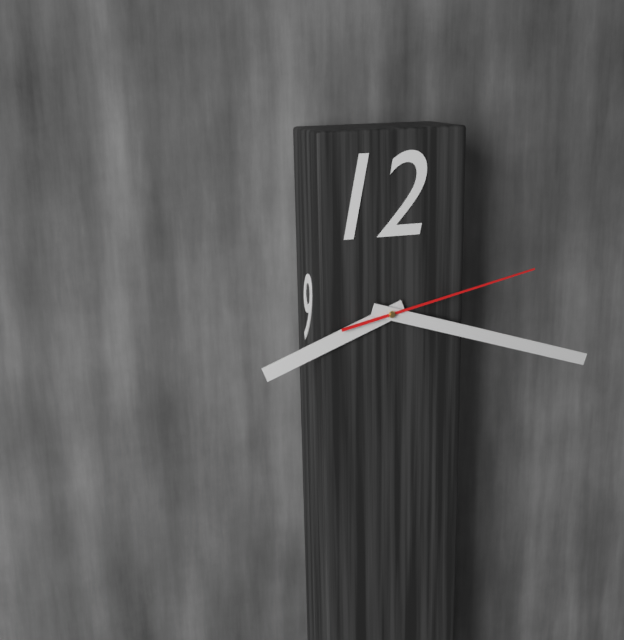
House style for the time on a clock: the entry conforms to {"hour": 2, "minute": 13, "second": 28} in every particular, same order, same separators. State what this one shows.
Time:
{"hour": 8, "minute": 18, "second": 13}
